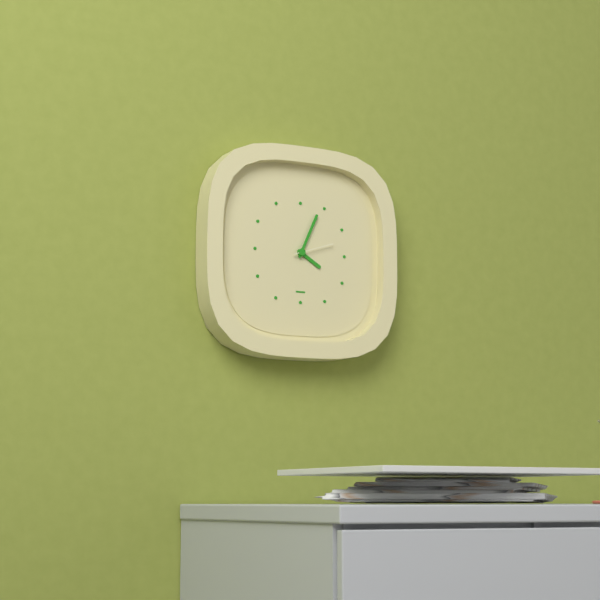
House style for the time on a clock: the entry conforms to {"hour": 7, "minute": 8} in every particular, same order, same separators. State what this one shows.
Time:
{"hour": 4, "minute": 4}
